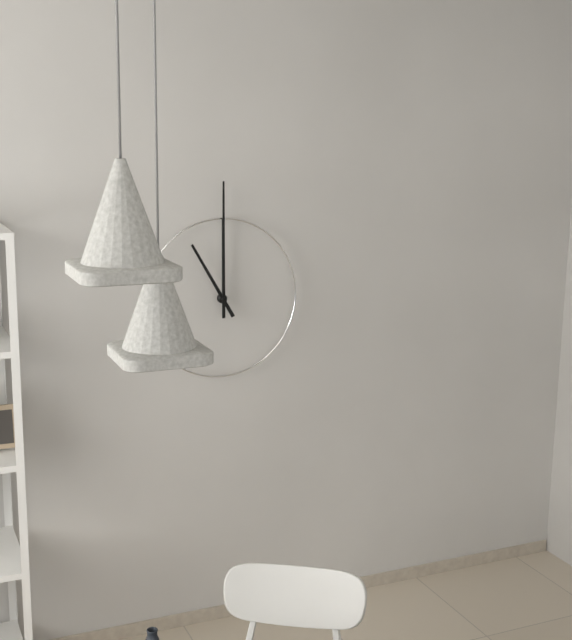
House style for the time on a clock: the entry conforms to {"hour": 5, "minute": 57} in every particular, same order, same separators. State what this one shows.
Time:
{"hour": 11, "minute": 0}
